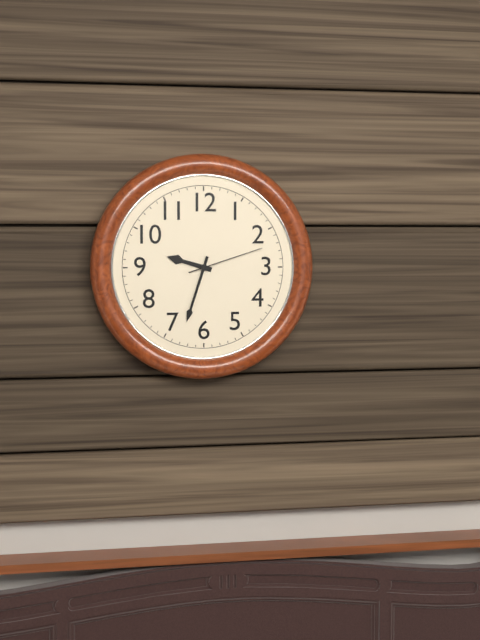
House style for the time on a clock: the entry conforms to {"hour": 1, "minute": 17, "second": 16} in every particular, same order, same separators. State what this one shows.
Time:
{"hour": 9, "minute": 33, "second": 12}
